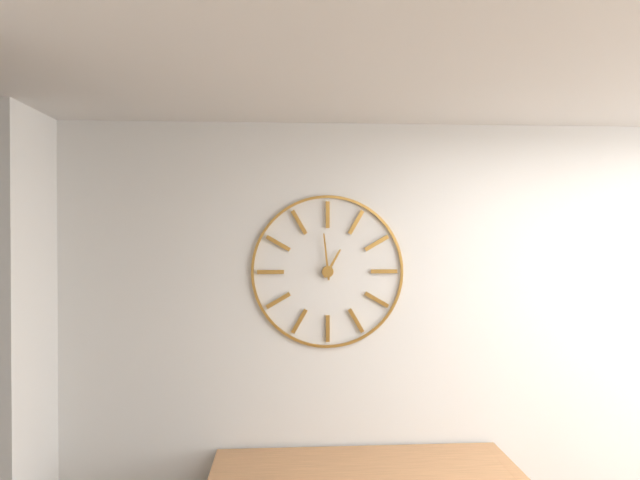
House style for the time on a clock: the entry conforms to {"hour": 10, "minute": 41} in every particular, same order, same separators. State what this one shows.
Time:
{"hour": 12, "minute": 59}
